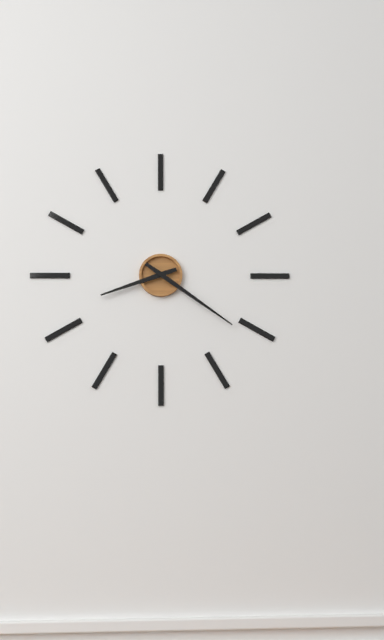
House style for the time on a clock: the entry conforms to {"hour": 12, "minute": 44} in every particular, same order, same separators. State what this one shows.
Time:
{"hour": 8, "minute": 21}
